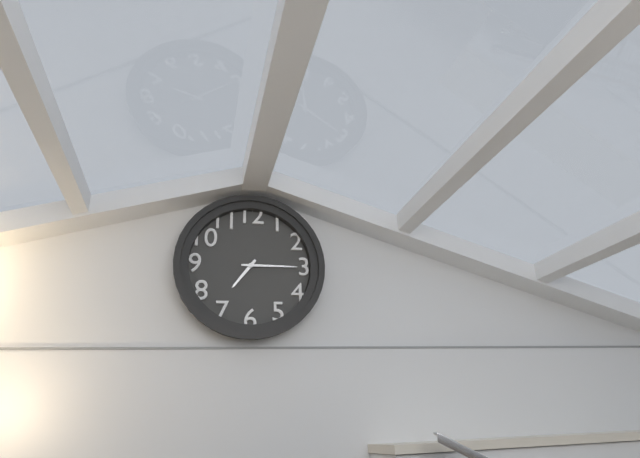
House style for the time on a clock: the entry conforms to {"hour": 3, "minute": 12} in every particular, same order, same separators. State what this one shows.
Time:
{"hour": 7, "minute": 15}
